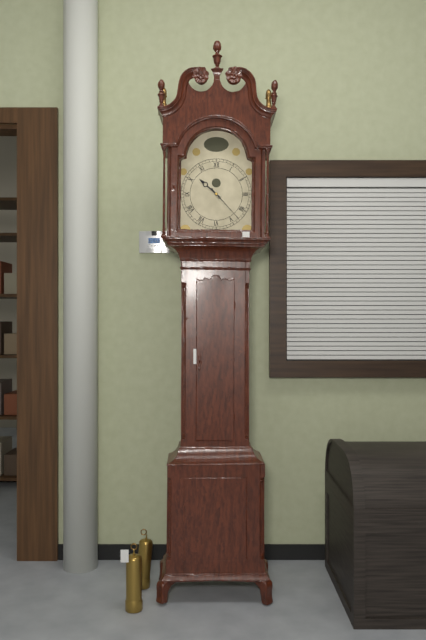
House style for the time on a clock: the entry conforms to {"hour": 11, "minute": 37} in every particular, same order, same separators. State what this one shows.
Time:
{"hour": 10, "minute": 23}
